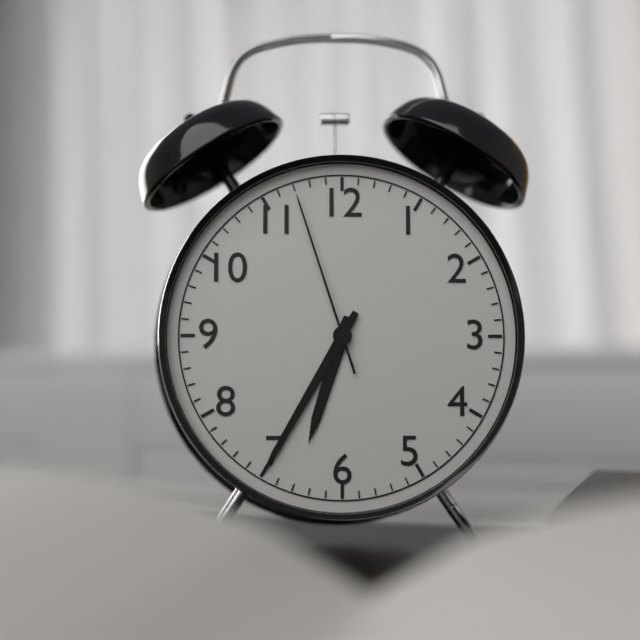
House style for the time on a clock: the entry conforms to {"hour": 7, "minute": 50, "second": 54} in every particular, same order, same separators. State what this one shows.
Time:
{"hour": 6, "minute": 35, "second": 57}
